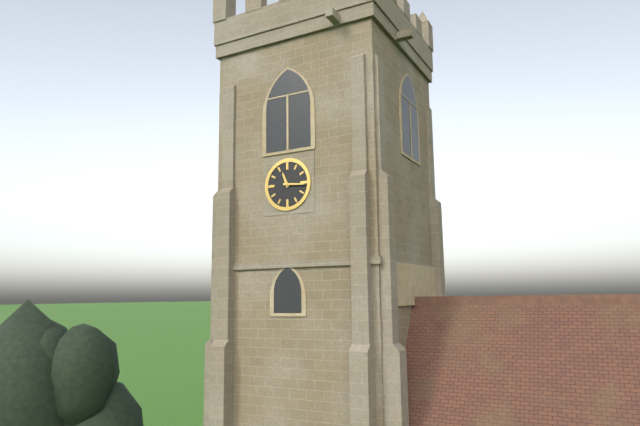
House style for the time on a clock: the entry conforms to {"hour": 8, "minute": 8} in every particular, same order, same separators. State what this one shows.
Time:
{"hour": 11, "minute": 16}
